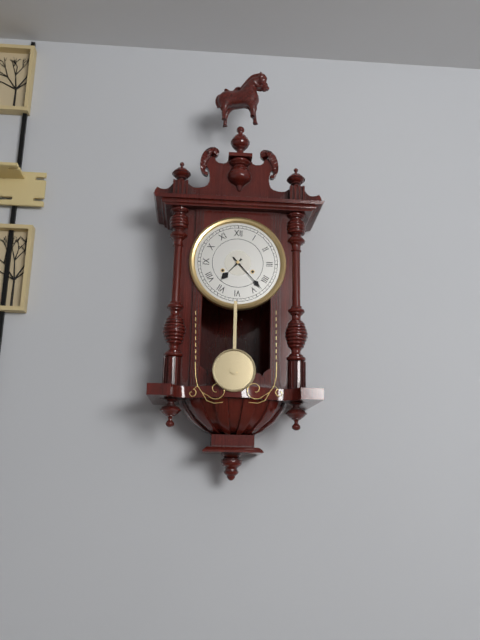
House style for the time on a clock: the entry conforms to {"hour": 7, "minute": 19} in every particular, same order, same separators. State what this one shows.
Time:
{"hour": 7, "minute": 23}
